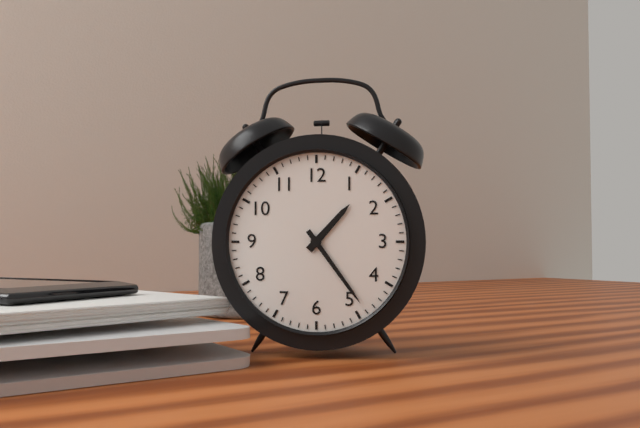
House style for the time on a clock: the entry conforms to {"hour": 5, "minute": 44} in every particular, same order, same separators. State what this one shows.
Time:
{"hour": 1, "minute": 24}
